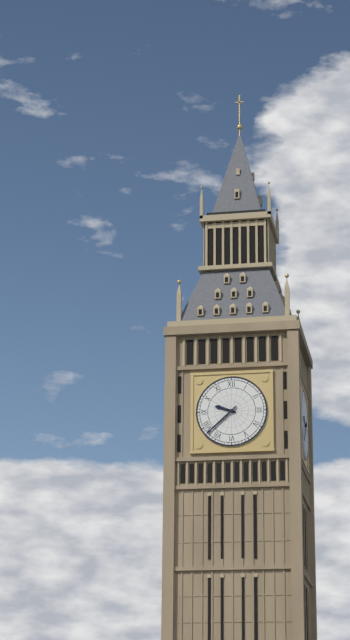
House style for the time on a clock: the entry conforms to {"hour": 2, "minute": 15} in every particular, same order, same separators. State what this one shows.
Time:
{"hour": 9, "minute": 38}
